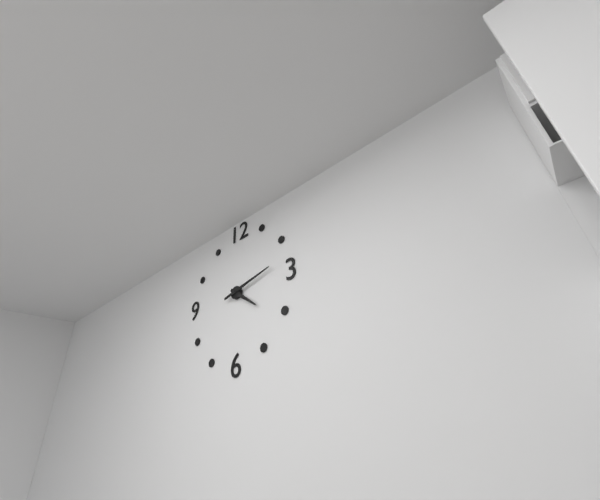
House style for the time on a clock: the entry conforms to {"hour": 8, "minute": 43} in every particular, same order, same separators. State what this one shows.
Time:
{"hour": 4, "minute": 13}
